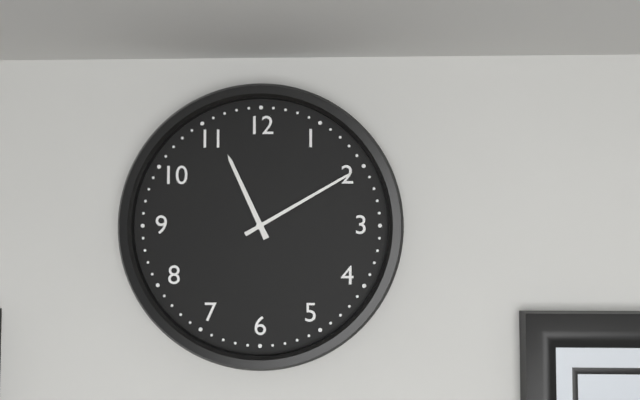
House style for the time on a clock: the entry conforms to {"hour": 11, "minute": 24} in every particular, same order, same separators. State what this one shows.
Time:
{"hour": 11, "minute": 10}
